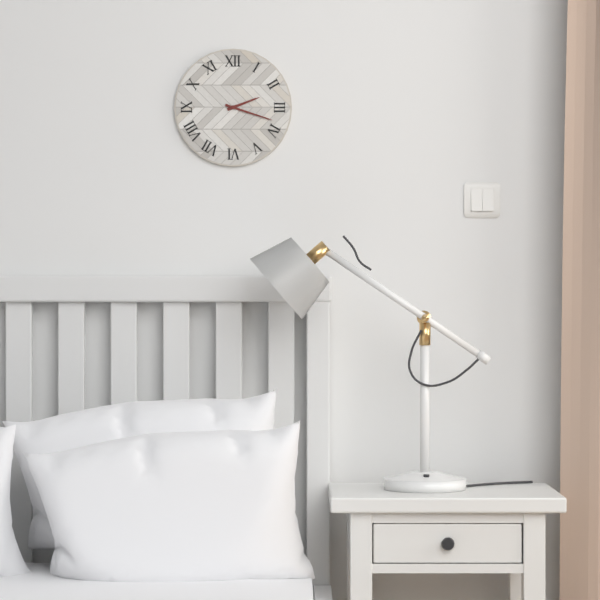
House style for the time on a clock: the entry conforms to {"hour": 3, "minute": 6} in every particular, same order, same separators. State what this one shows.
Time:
{"hour": 2, "minute": 18}
